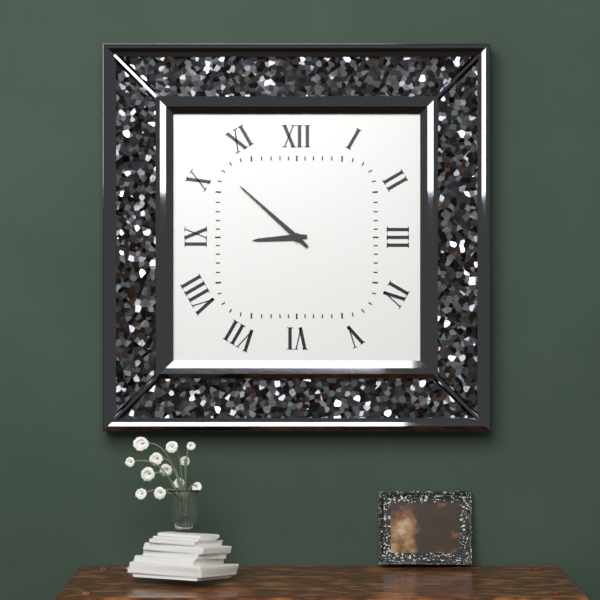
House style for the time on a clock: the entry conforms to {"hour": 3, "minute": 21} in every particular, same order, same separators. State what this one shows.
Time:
{"hour": 8, "minute": 52}
